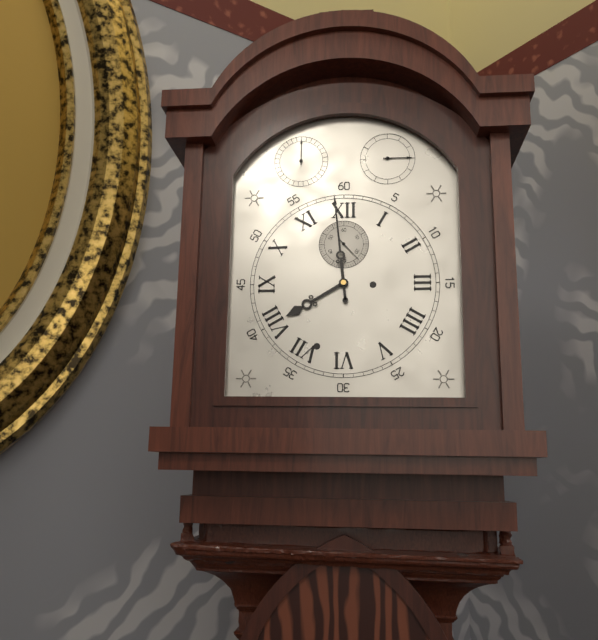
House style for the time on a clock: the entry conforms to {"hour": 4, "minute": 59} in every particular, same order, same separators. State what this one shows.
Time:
{"hour": 7, "minute": 59}
